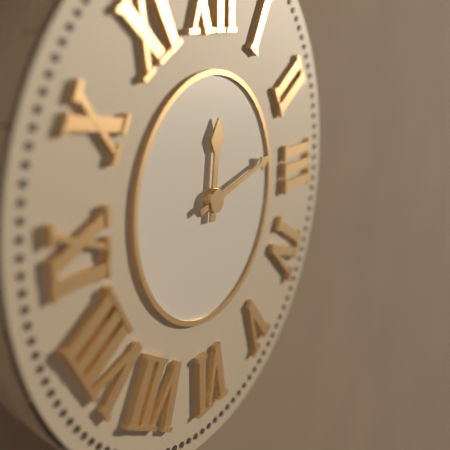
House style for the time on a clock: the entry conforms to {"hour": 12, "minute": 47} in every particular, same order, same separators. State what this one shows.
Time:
{"hour": 12, "minute": 13}
